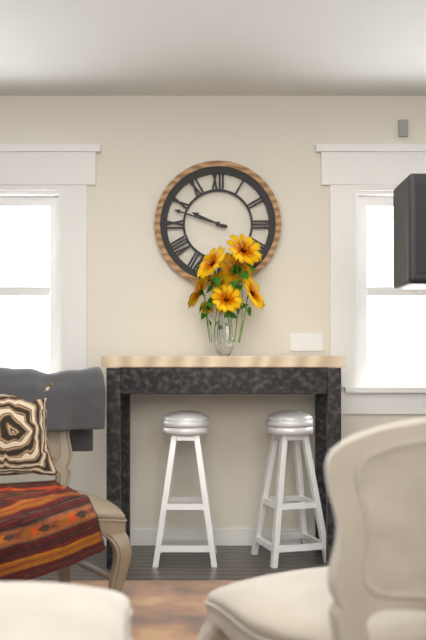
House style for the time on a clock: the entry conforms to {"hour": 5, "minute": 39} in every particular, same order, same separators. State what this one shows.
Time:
{"hour": 9, "minute": 48}
